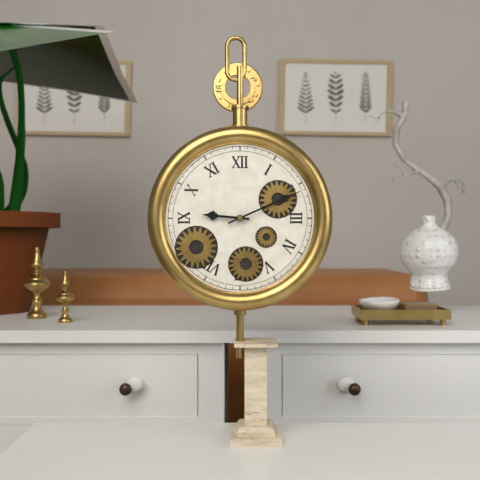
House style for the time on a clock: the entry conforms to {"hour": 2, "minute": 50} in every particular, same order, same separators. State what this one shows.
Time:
{"hour": 9, "minute": 11}
